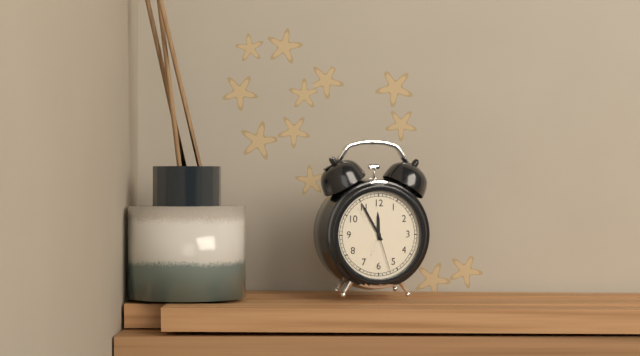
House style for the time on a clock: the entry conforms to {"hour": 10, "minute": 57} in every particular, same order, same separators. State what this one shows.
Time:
{"hour": 11, "minute": 55}
